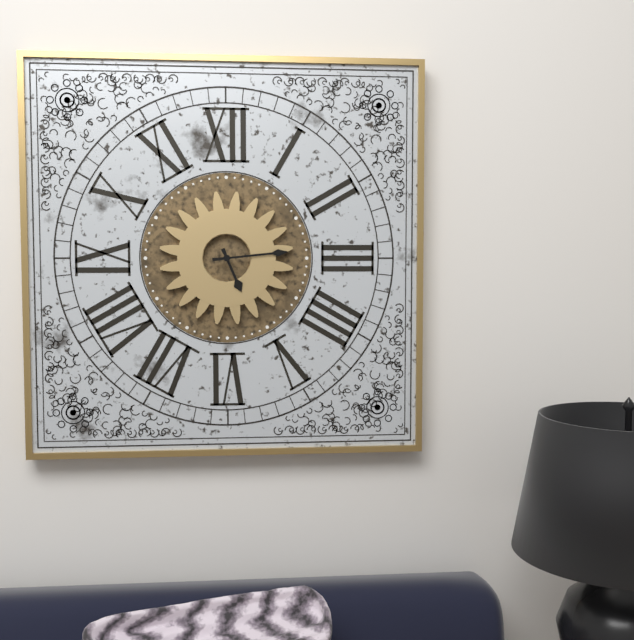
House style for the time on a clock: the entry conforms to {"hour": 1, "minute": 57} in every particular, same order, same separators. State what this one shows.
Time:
{"hour": 5, "minute": 14}
